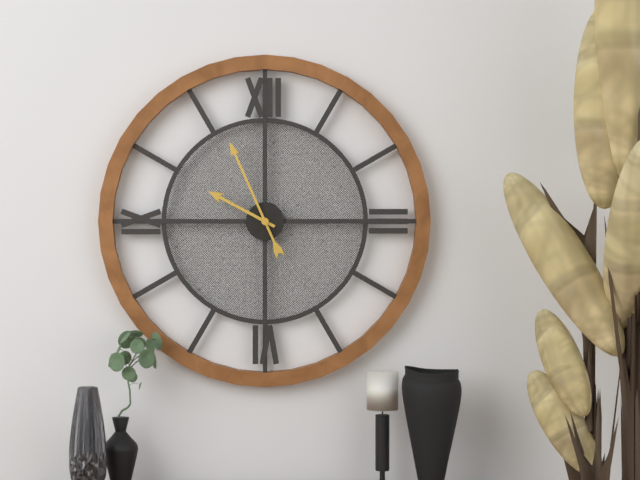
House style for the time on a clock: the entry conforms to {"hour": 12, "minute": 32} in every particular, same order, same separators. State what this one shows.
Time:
{"hour": 9, "minute": 56}
